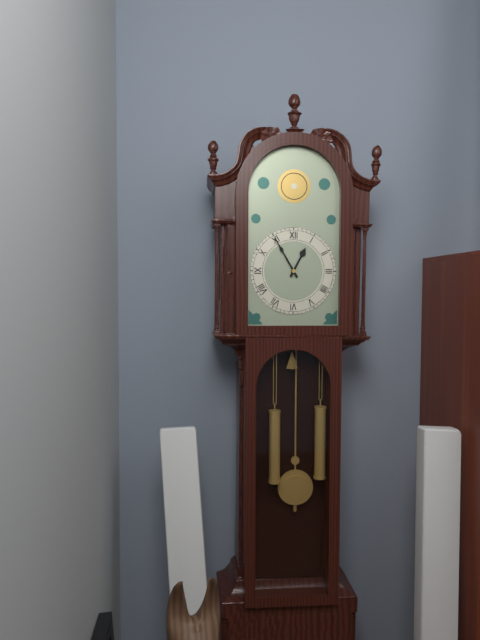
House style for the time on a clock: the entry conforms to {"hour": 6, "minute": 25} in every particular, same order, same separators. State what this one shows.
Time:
{"hour": 12, "minute": 55}
